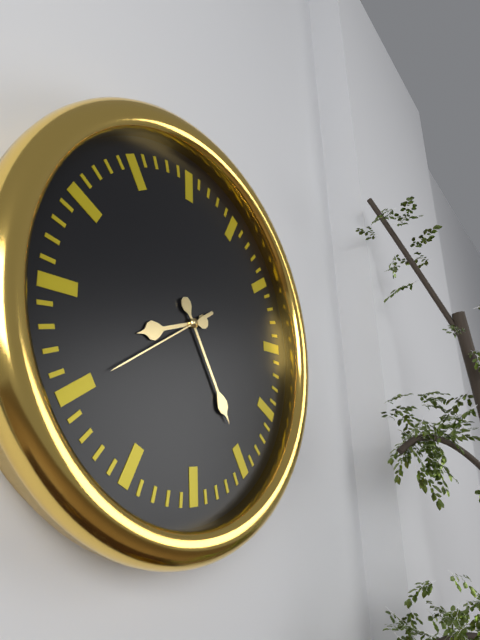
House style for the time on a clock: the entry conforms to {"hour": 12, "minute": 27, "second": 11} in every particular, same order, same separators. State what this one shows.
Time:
{"hour": 8, "minute": 25, "second": 40}
